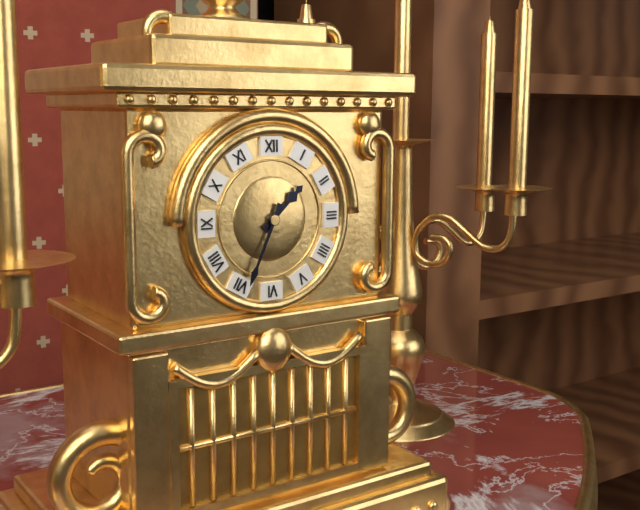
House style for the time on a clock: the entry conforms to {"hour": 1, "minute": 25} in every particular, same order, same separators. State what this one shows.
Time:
{"hour": 1, "minute": 34}
